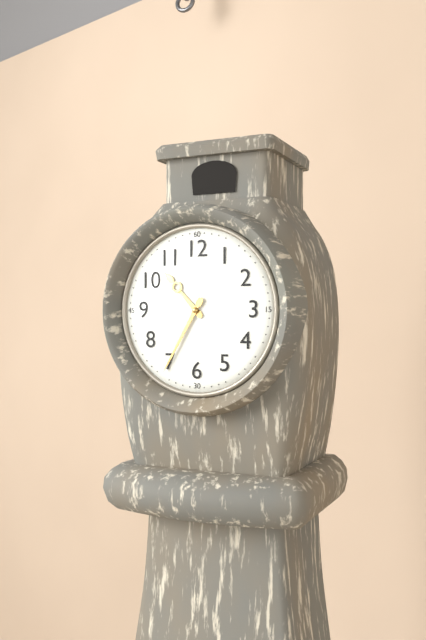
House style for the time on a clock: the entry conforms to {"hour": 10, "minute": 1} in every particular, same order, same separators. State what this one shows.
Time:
{"hour": 10, "minute": 35}
